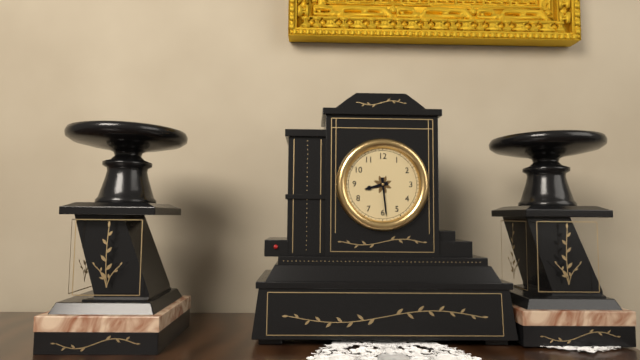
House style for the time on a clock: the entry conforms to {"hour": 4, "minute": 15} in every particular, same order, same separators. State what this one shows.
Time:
{"hour": 8, "minute": 29}
